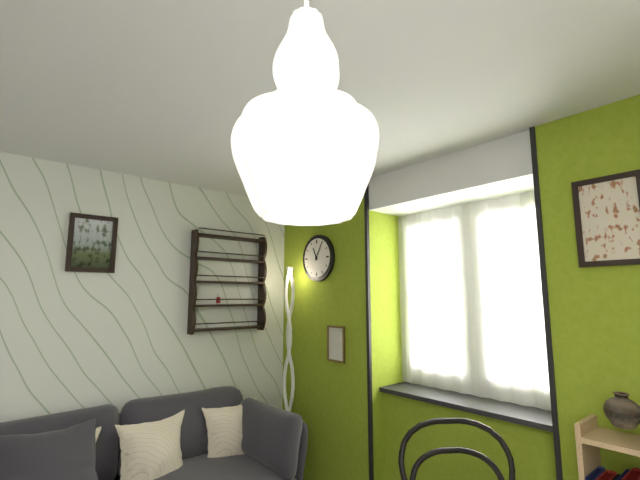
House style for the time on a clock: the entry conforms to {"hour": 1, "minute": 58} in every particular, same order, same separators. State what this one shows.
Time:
{"hour": 11, "minute": 5}
